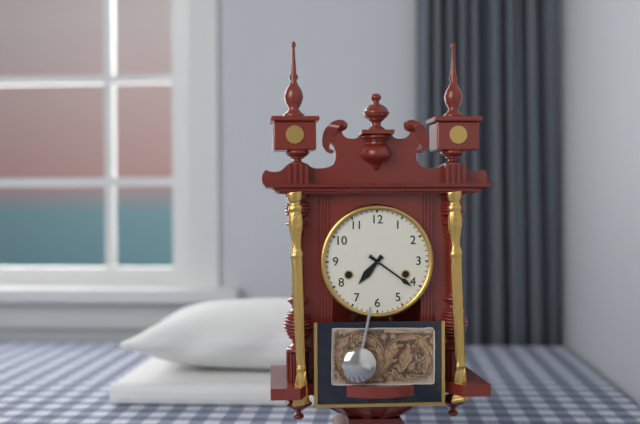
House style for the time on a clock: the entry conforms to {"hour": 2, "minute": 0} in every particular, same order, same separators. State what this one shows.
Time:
{"hour": 7, "minute": 21}
